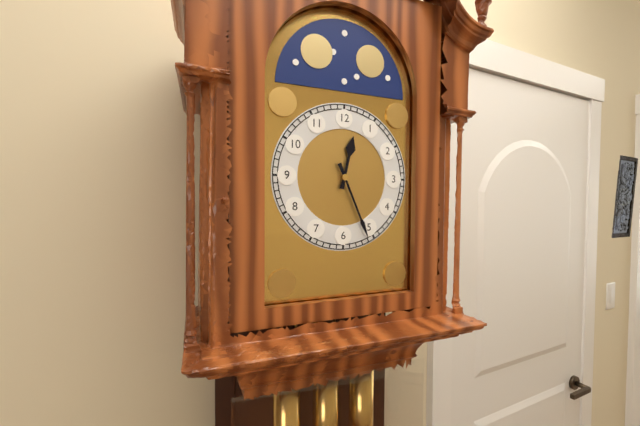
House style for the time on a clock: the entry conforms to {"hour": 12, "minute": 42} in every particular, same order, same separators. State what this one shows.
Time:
{"hour": 12, "minute": 26}
